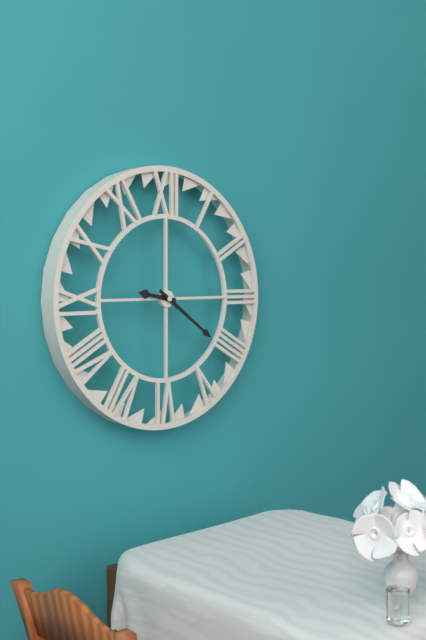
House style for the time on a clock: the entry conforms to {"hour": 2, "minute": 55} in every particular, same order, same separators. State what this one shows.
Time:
{"hour": 9, "minute": 21}
